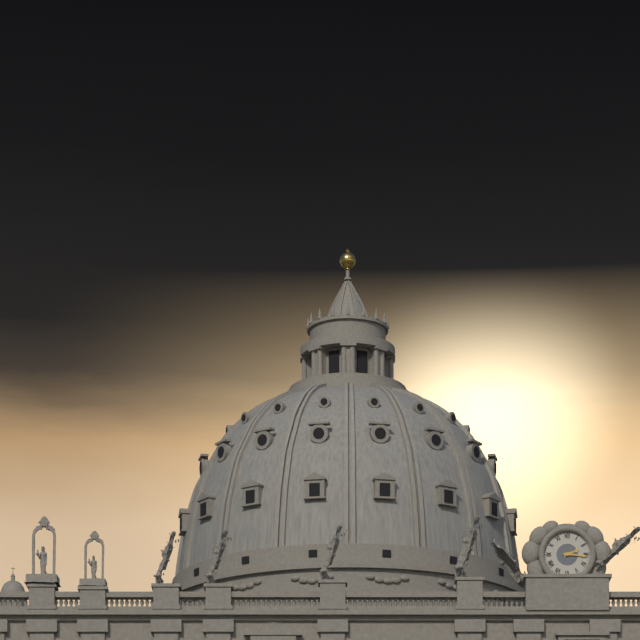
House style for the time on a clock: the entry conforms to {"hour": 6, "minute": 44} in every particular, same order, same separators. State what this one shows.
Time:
{"hour": 2, "minute": 16}
